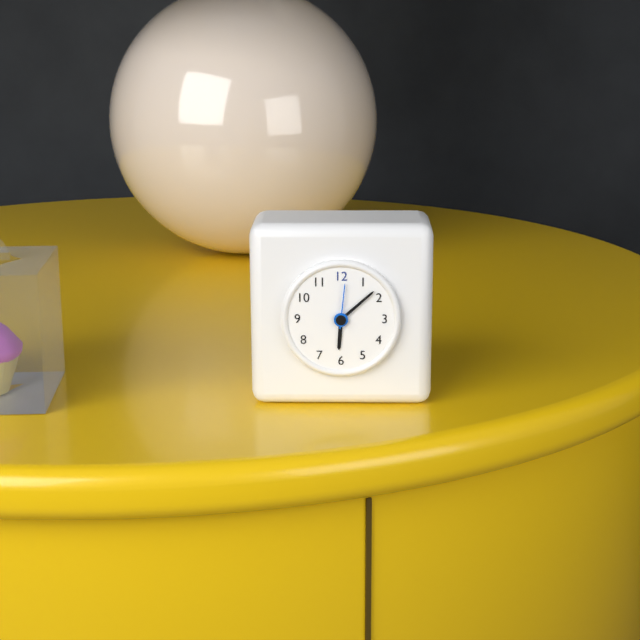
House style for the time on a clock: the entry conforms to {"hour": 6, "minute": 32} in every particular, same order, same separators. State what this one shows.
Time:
{"hour": 6, "minute": 8}
